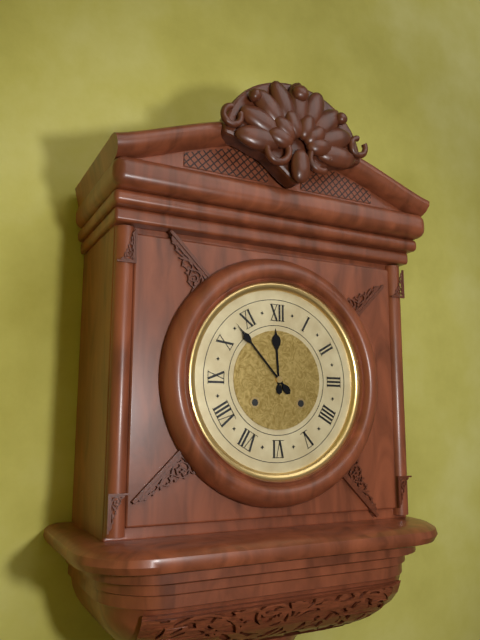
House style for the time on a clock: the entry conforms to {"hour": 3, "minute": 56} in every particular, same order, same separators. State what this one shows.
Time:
{"hour": 11, "minute": 53}
